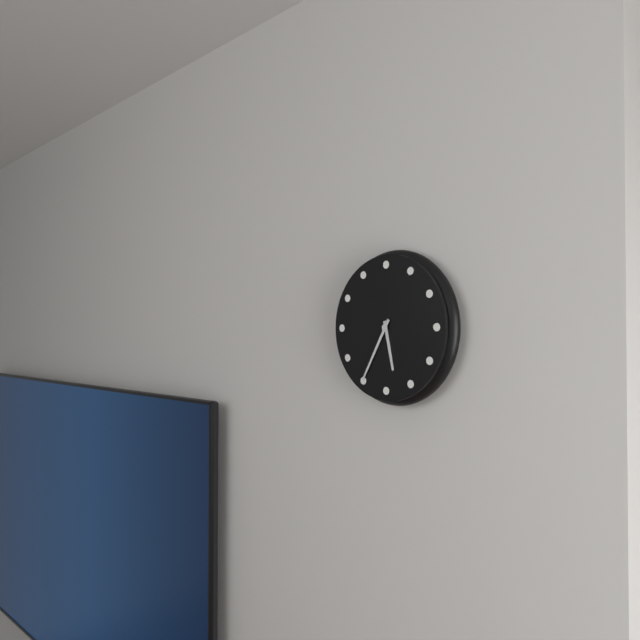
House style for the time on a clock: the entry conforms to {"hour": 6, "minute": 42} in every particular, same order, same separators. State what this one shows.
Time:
{"hour": 5, "minute": 35}
